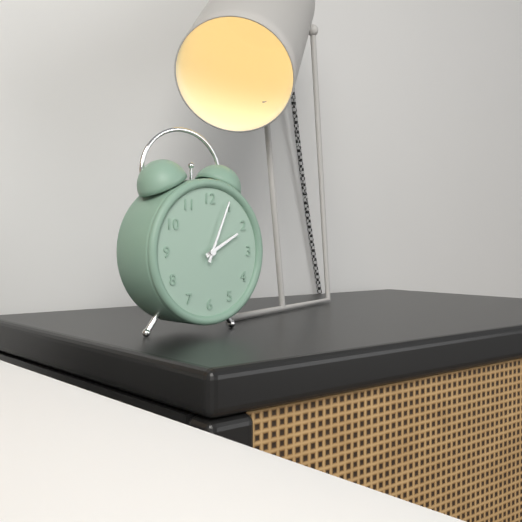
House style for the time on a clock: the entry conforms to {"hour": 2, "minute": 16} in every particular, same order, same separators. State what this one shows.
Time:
{"hour": 2, "minute": 4}
